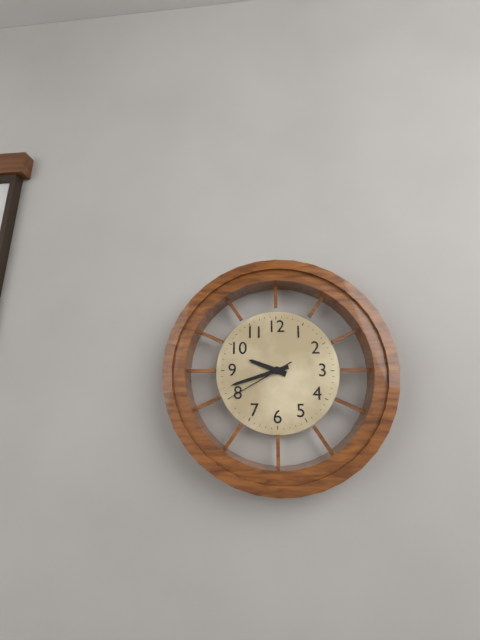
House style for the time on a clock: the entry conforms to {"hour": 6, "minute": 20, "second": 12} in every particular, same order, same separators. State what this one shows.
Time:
{"hour": 9, "minute": 42, "second": 40}
